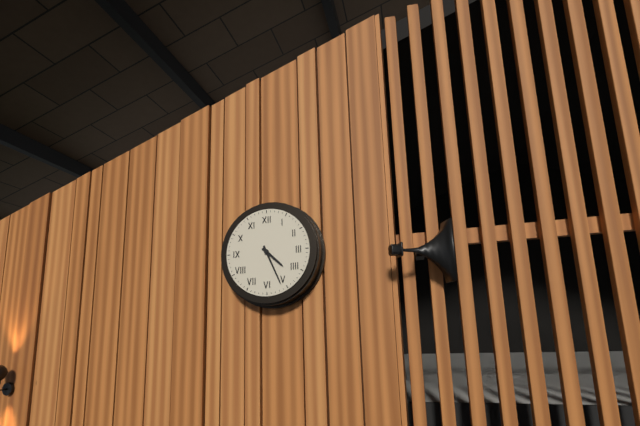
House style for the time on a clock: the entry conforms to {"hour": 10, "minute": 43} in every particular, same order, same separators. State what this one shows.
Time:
{"hour": 4, "minute": 26}
